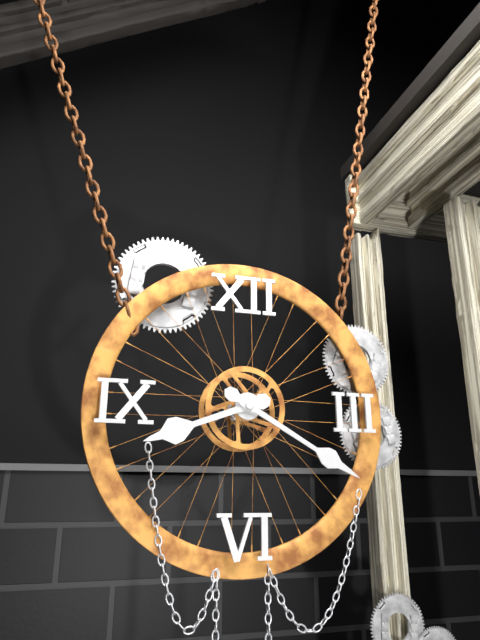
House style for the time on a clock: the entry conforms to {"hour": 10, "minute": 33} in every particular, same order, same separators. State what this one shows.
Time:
{"hour": 8, "minute": 20}
